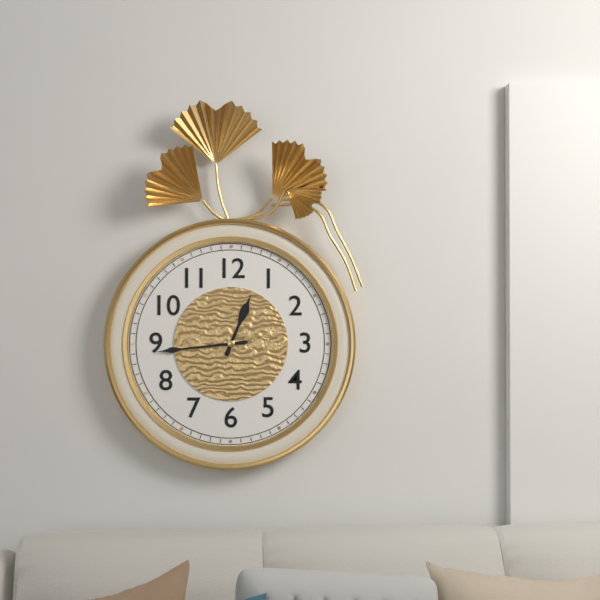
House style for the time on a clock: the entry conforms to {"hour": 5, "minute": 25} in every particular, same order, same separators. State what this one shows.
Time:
{"hour": 12, "minute": 44}
